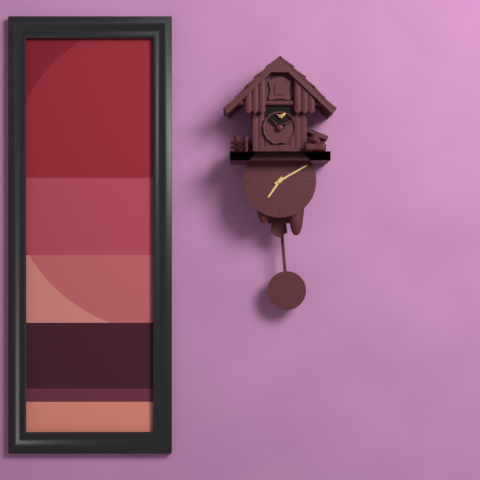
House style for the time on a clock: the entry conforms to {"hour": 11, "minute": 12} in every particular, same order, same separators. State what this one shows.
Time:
{"hour": 7, "minute": 10}
